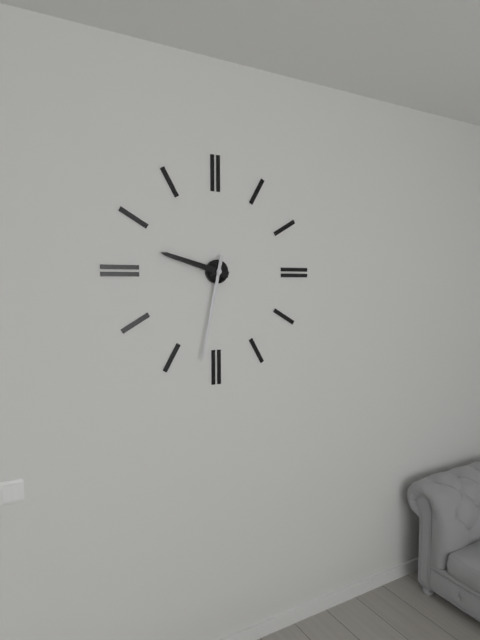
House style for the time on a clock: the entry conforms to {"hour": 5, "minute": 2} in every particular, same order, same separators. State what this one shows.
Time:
{"hour": 9, "minute": 32}
